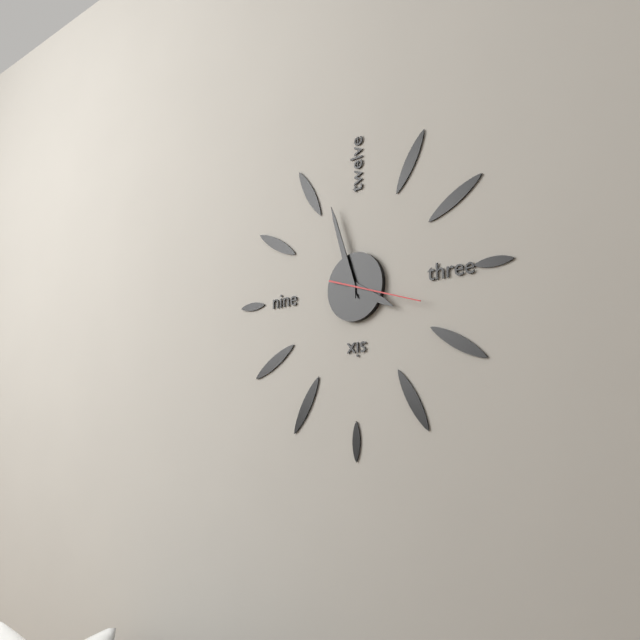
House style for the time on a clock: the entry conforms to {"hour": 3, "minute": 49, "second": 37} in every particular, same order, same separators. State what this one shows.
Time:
{"hour": 3, "minute": 57, "second": 18}
